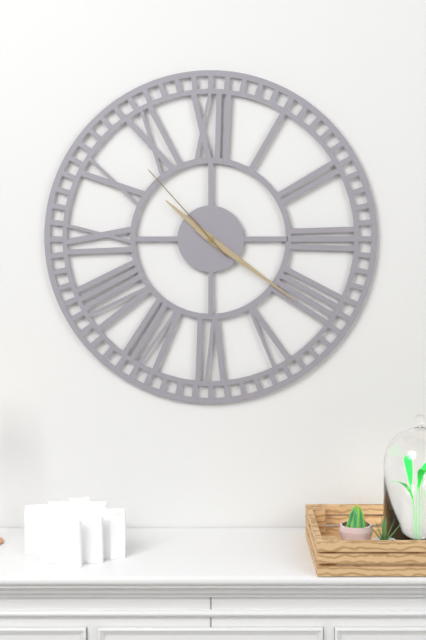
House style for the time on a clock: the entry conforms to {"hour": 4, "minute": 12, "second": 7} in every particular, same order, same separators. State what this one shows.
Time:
{"hour": 10, "minute": 21, "second": 53}
